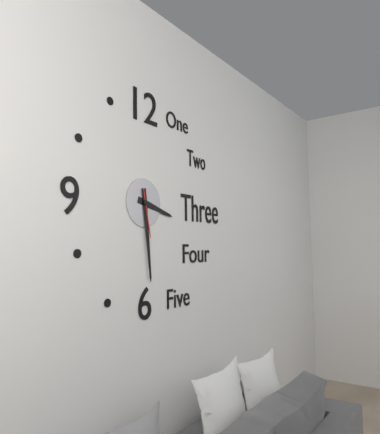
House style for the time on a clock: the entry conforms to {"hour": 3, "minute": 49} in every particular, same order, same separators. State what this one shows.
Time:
{"hour": 3, "minute": 29}
